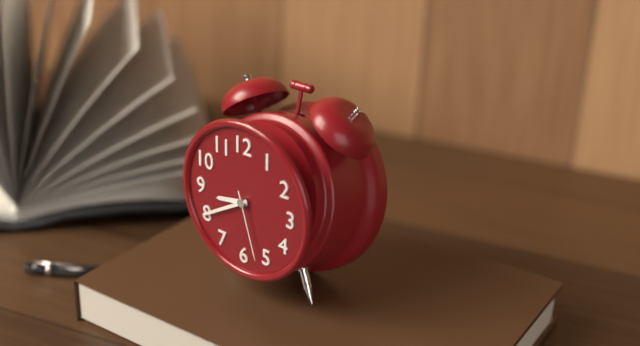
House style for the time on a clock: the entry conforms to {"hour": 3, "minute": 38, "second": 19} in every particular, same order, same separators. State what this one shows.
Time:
{"hour": 8, "minute": 40, "second": 27}
